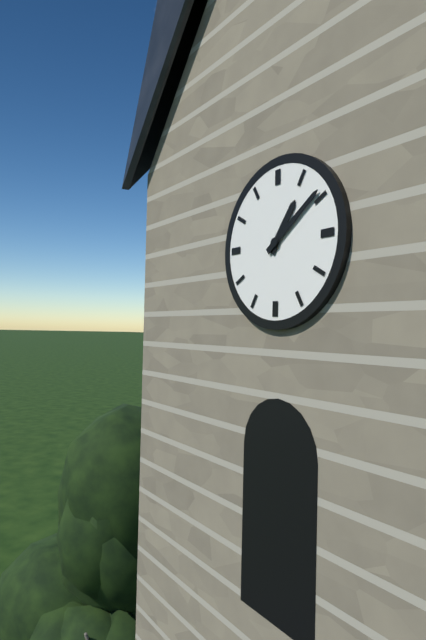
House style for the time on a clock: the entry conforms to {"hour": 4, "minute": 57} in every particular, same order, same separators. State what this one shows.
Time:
{"hour": 1, "minute": 9}
